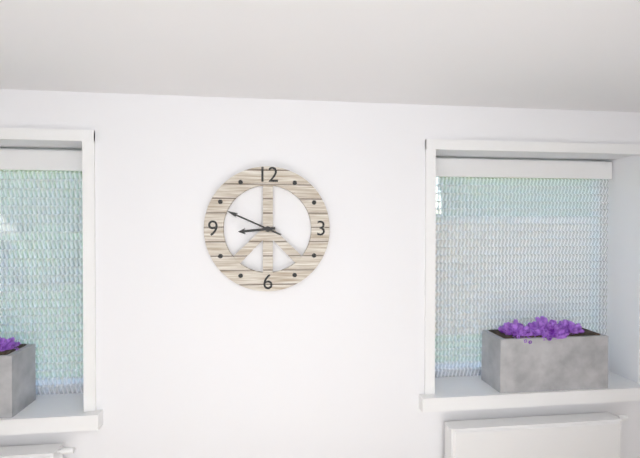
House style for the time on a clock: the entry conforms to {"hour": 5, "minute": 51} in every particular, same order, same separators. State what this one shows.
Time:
{"hour": 8, "minute": 49}
